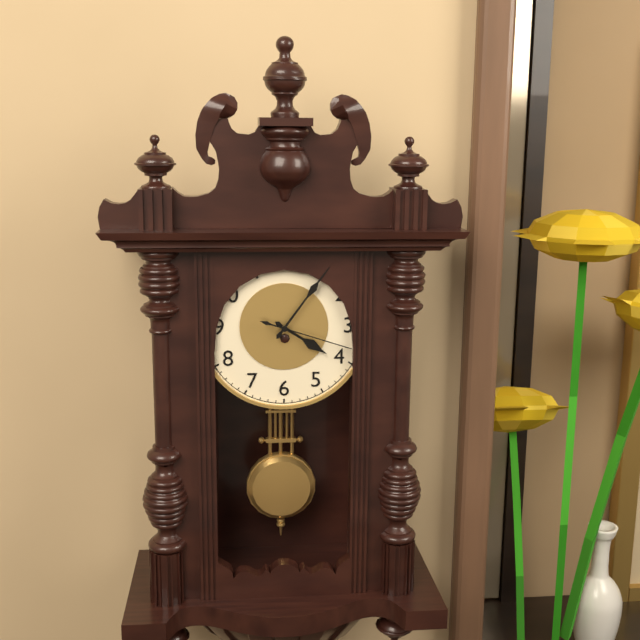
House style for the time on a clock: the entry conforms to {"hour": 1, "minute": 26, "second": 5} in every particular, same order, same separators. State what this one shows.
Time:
{"hour": 4, "minute": 6, "second": 18}
